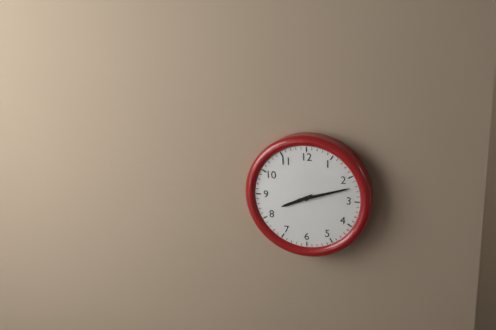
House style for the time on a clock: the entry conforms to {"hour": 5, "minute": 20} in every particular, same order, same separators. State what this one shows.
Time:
{"hour": 8, "minute": 12}
